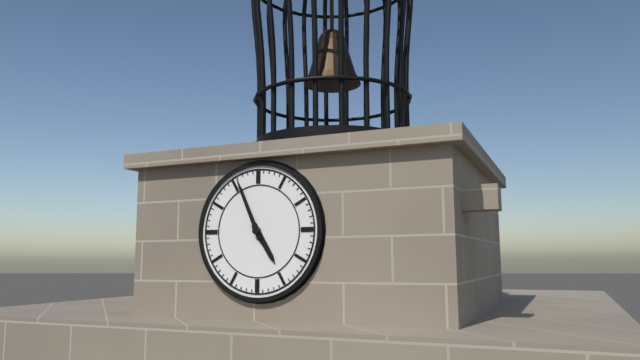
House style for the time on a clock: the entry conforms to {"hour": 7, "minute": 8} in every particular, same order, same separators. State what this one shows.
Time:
{"hour": 4, "minute": 56}
